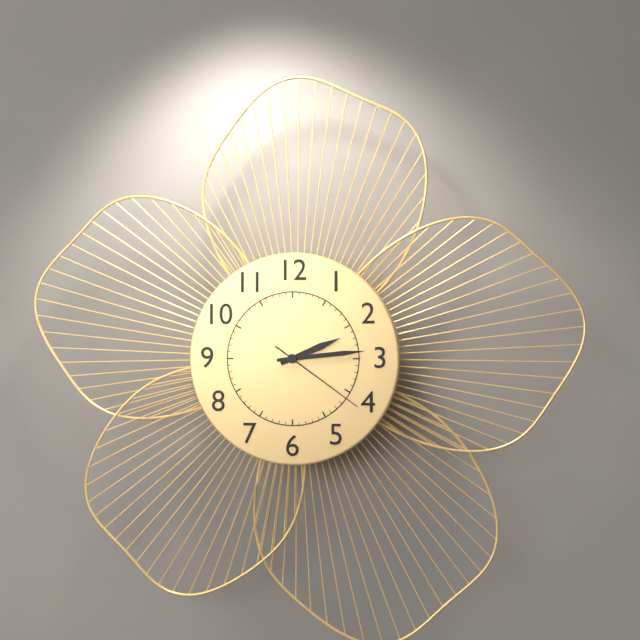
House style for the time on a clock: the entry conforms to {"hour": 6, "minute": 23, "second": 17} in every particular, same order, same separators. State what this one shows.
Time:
{"hour": 2, "minute": 14, "second": 21}
